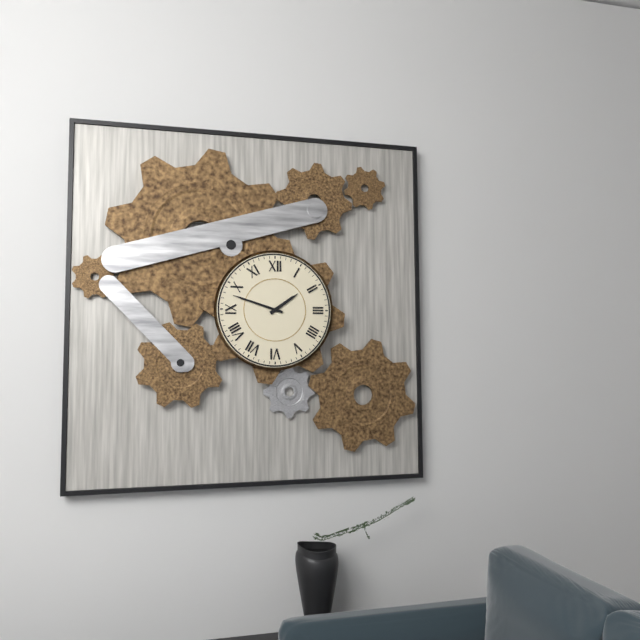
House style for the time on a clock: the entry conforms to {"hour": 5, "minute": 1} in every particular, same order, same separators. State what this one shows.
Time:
{"hour": 1, "minute": 48}
